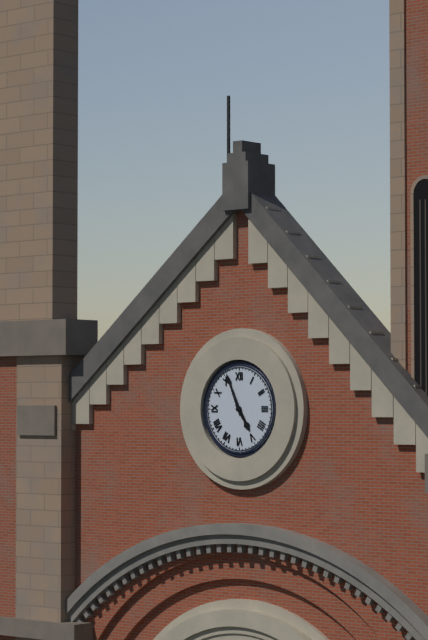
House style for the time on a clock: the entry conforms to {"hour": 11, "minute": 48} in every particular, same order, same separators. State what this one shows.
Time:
{"hour": 4, "minute": 56}
